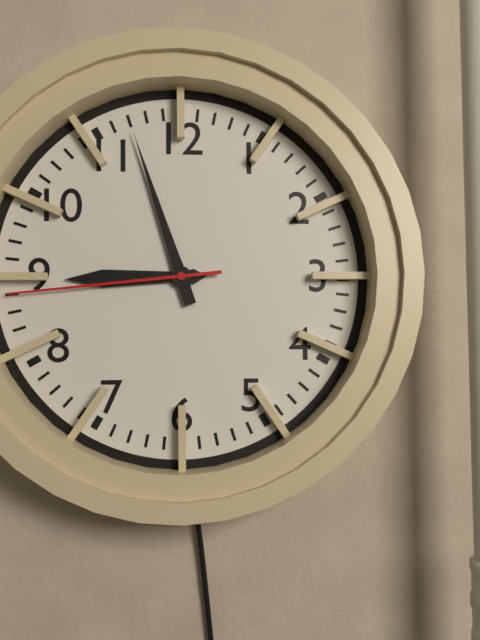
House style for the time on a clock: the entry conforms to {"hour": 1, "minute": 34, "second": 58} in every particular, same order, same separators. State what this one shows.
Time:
{"hour": 8, "minute": 57, "second": 44}
